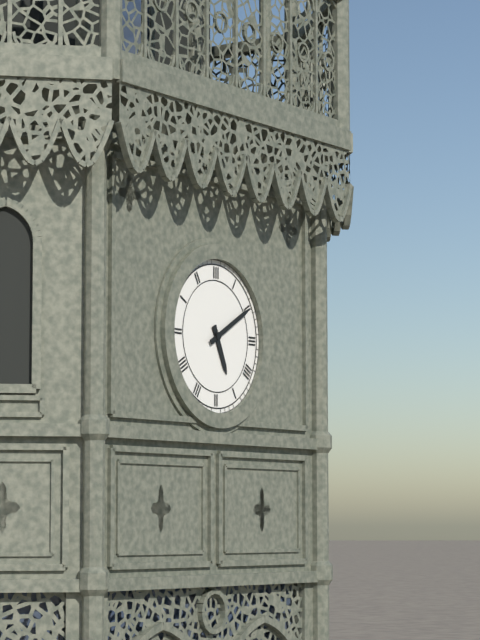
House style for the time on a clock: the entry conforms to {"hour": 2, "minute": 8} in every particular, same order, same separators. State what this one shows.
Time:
{"hour": 5, "minute": 10}
